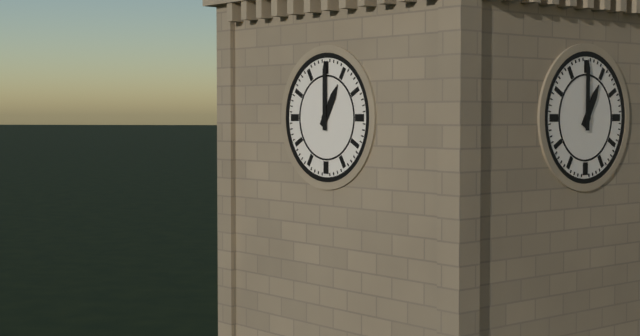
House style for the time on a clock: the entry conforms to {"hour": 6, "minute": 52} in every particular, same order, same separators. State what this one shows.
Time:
{"hour": 1, "minute": 0}
